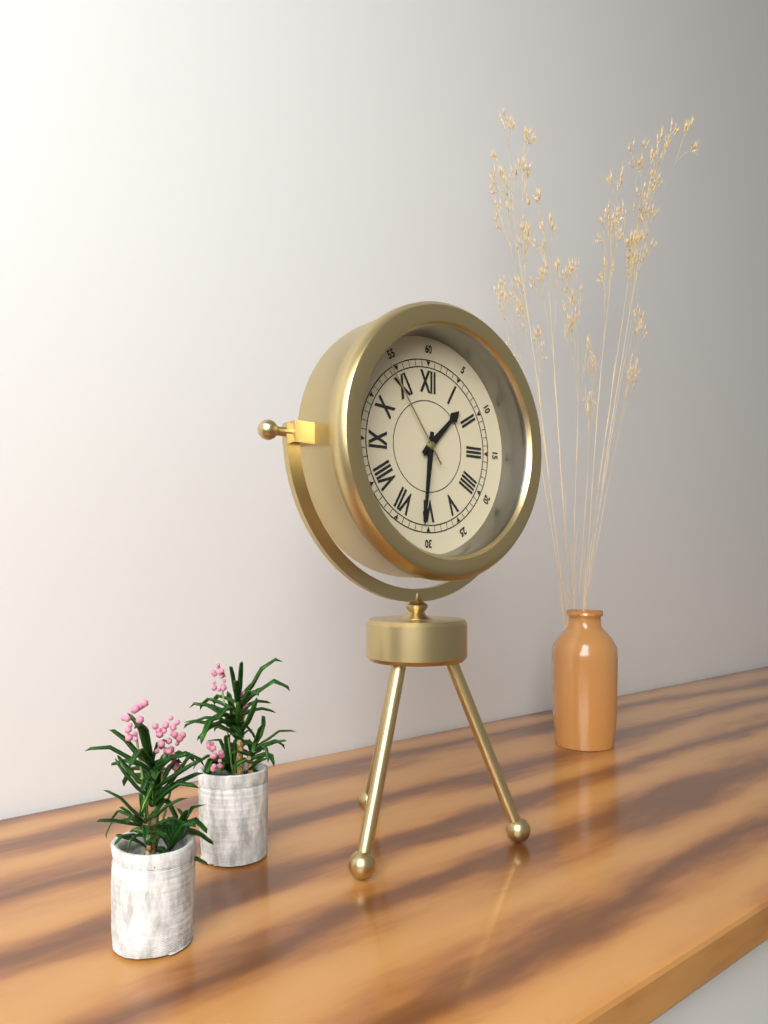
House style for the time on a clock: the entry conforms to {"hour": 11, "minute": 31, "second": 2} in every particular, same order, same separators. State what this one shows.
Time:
{"hour": 1, "minute": 31, "second": 54}
